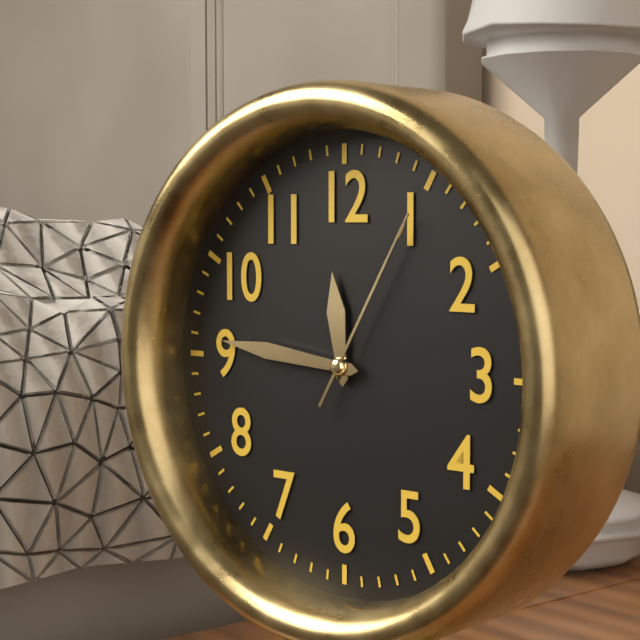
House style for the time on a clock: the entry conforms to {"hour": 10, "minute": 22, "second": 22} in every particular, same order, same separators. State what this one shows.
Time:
{"hour": 11, "minute": 46, "second": 5}
